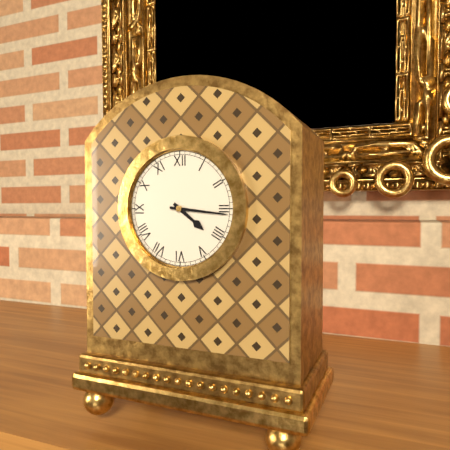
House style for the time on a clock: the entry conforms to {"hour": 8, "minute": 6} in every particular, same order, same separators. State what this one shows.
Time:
{"hour": 4, "minute": 16}
